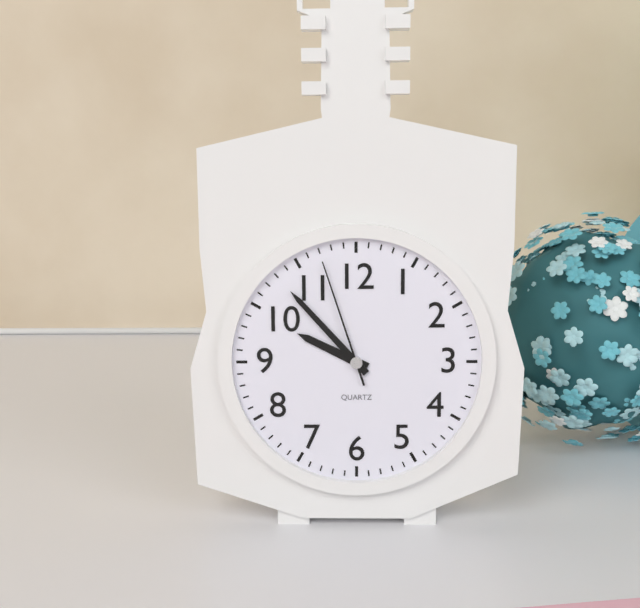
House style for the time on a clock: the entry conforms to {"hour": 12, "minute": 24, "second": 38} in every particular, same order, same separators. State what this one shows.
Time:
{"hour": 9, "minute": 53, "second": 57}
